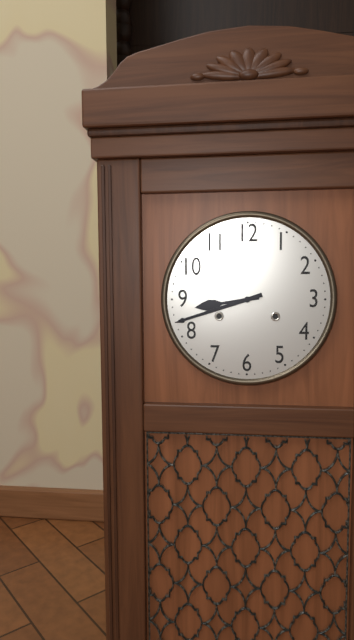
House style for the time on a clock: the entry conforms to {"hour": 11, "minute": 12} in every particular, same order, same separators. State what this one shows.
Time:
{"hour": 8, "minute": 42}
